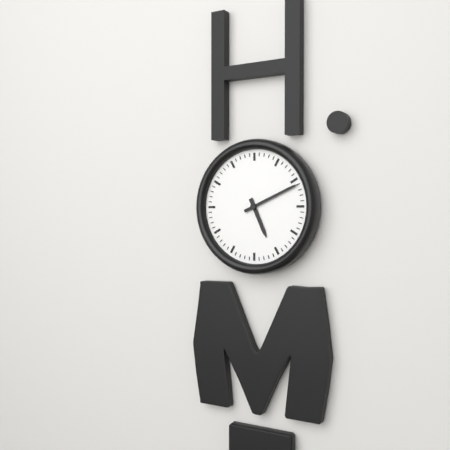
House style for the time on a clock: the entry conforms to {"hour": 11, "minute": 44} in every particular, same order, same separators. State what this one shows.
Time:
{"hour": 5, "minute": 11}
